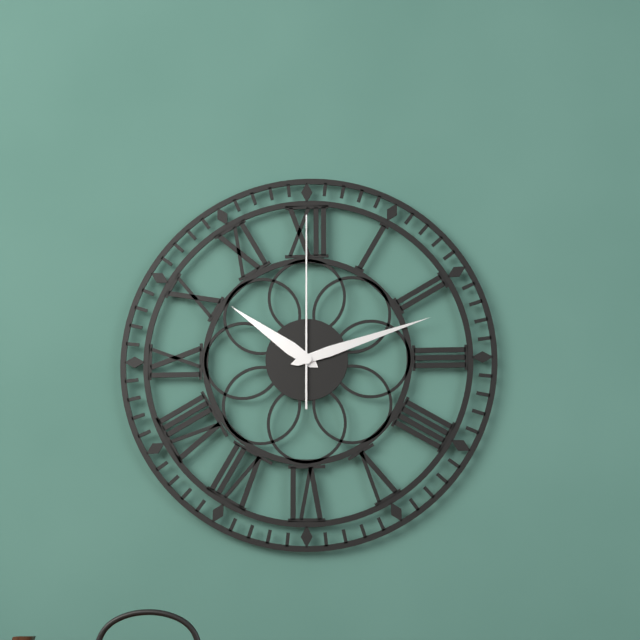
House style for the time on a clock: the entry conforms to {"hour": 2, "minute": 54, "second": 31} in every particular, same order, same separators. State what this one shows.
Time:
{"hour": 10, "minute": 12, "second": 0}
